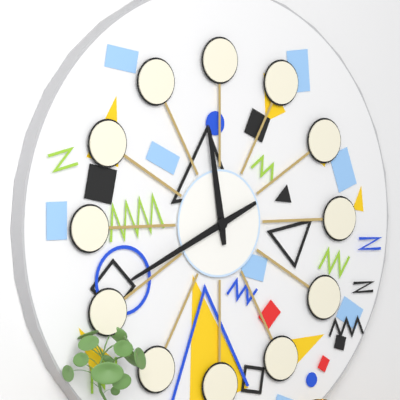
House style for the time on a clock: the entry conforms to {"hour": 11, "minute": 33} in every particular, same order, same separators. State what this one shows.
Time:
{"hour": 11, "minute": 41}
